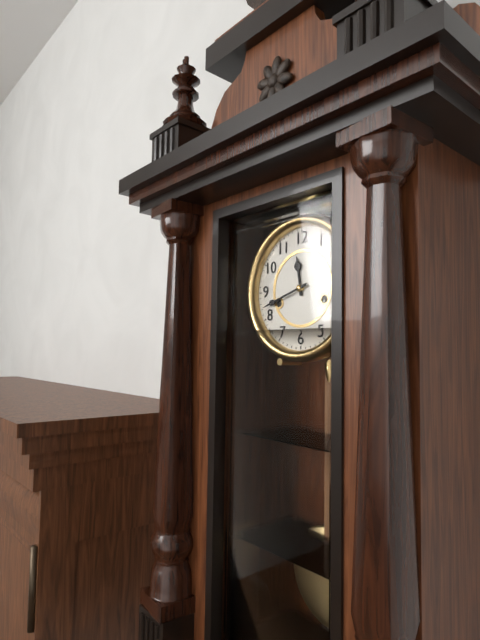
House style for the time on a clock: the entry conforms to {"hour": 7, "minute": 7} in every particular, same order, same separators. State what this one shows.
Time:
{"hour": 11, "minute": 42}
